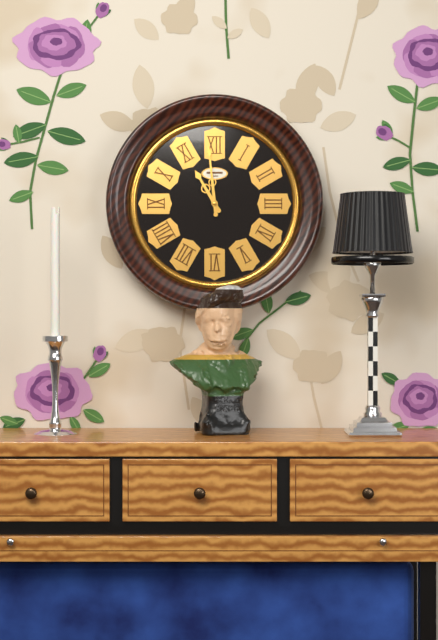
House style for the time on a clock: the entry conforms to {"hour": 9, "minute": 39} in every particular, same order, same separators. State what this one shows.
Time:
{"hour": 10, "minute": 59}
